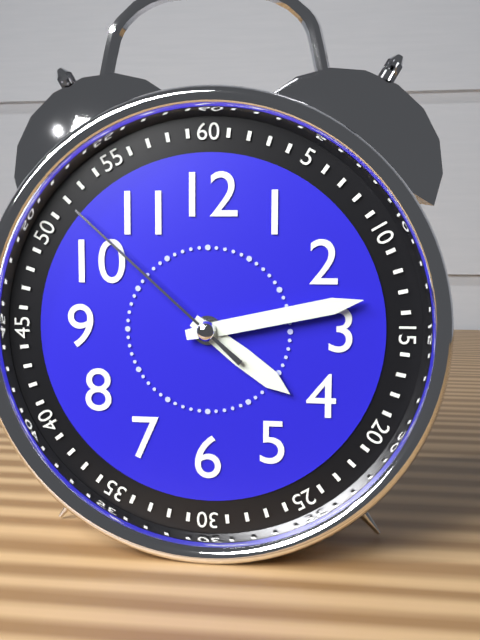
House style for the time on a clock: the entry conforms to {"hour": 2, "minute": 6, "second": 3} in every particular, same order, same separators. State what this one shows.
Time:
{"hour": 4, "minute": 13, "second": 52}
